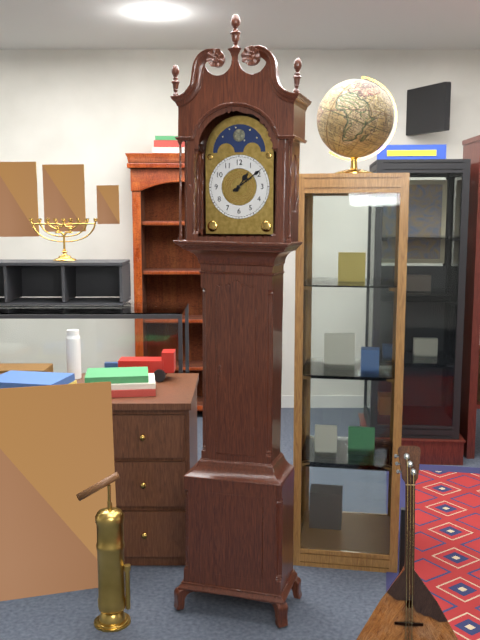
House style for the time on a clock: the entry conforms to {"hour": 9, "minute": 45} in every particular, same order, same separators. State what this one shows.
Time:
{"hour": 1, "minute": 9}
